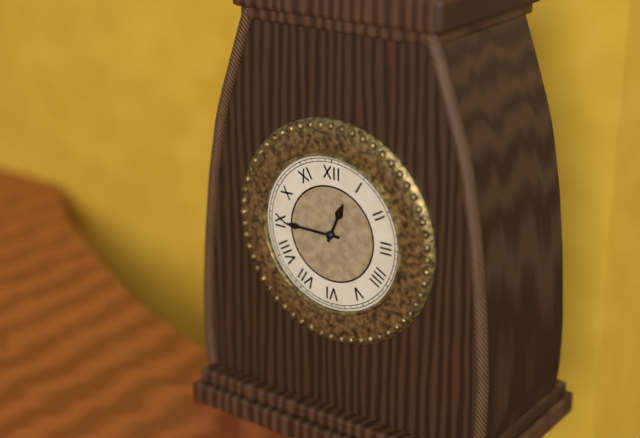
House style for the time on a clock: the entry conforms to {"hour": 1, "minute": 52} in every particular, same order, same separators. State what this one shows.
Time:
{"hour": 12, "minute": 45}
